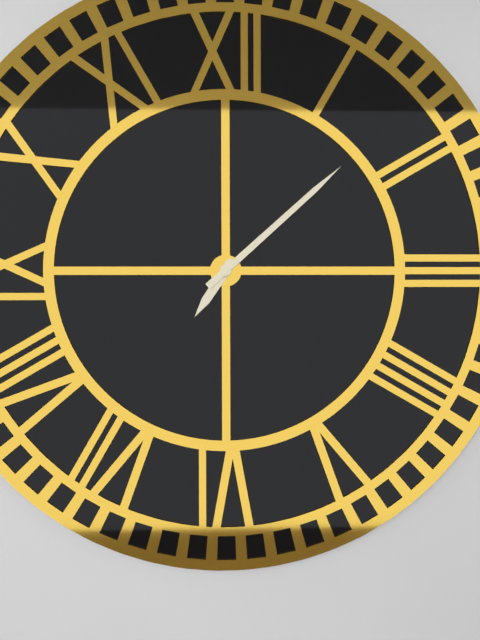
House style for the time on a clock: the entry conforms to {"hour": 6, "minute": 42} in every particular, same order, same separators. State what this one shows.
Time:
{"hour": 7, "minute": 8}
